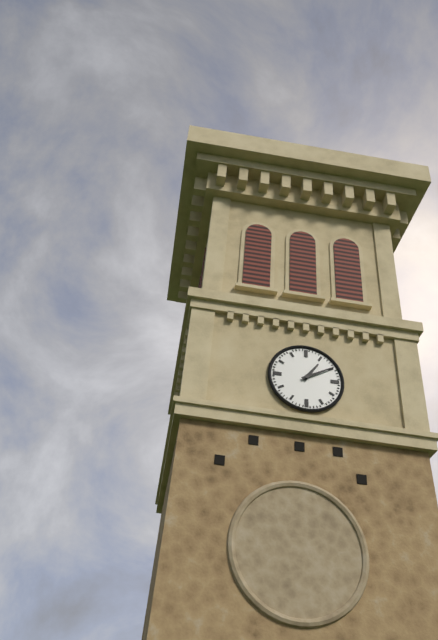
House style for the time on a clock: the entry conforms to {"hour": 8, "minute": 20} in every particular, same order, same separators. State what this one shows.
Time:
{"hour": 1, "minute": 10}
